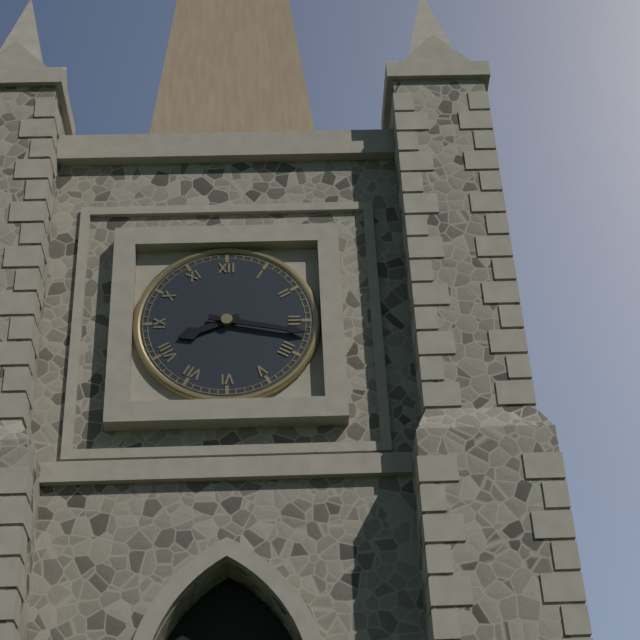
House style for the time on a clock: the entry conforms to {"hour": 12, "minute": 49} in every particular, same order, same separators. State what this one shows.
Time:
{"hour": 8, "minute": 17}
